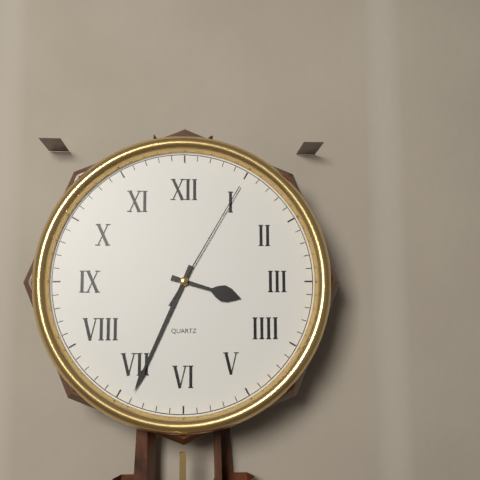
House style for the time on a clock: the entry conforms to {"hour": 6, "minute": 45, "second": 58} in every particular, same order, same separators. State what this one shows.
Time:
{"hour": 3, "minute": 34, "second": 5}
